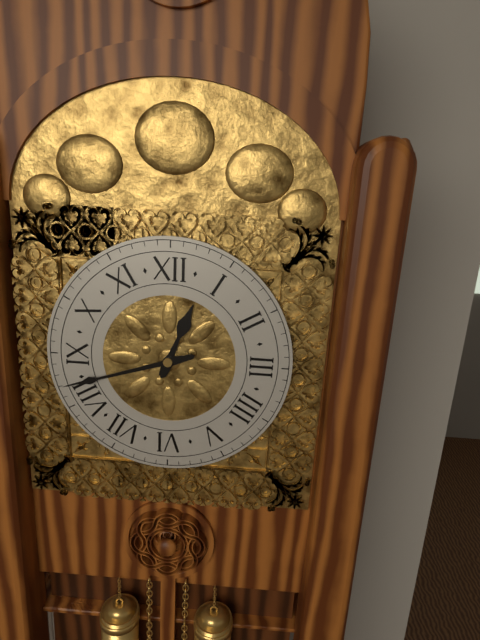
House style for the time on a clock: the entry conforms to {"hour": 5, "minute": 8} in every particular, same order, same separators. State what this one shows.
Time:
{"hour": 12, "minute": 42}
